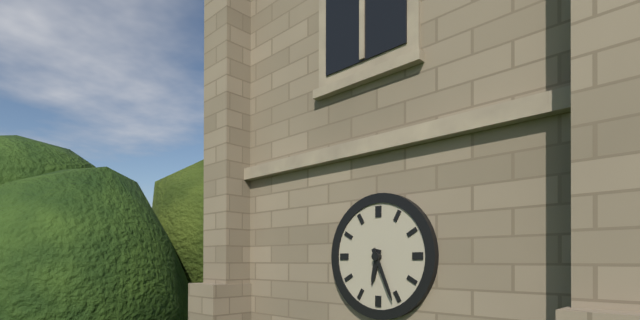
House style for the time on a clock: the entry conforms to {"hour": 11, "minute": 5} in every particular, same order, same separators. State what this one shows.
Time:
{"hour": 6, "minute": 26}
